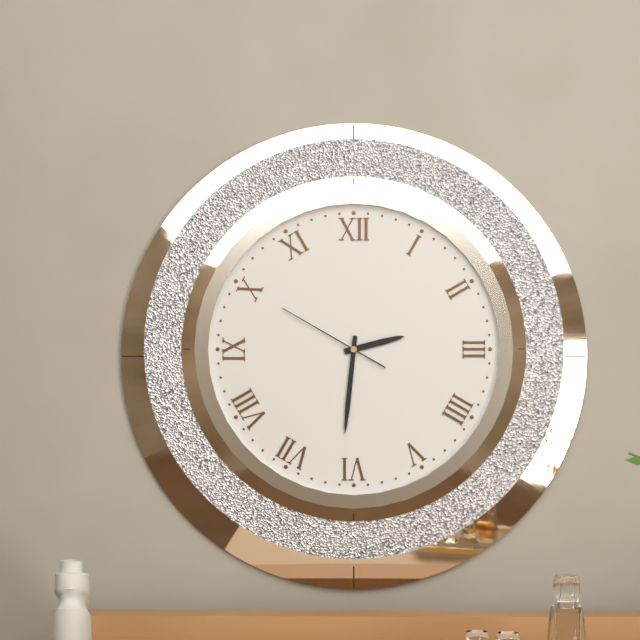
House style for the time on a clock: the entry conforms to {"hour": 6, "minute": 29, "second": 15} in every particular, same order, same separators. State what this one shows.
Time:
{"hour": 2, "minute": 31, "second": 50}
